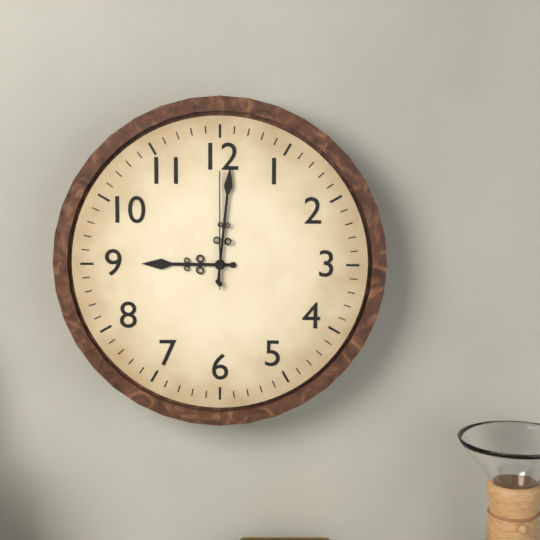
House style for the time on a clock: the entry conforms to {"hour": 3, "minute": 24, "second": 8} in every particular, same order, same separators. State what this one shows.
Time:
{"hour": 9, "minute": 1, "second": 0}
